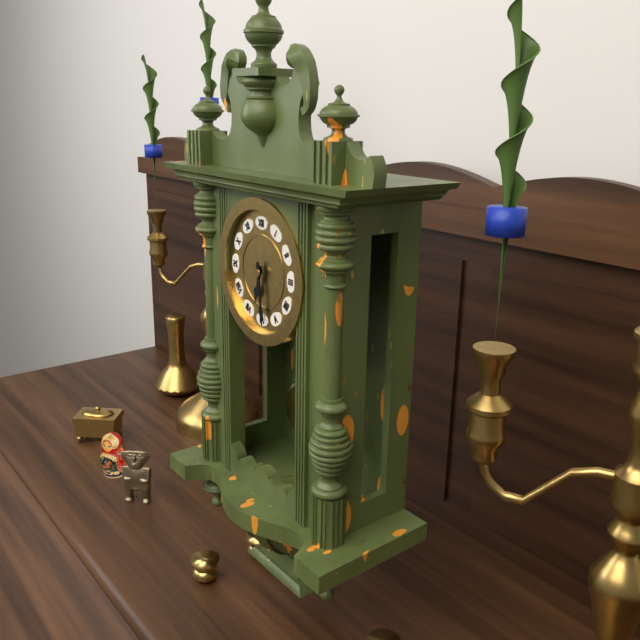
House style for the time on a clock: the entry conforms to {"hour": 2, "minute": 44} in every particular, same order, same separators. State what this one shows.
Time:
{"hour": 6, "minute": 29}
